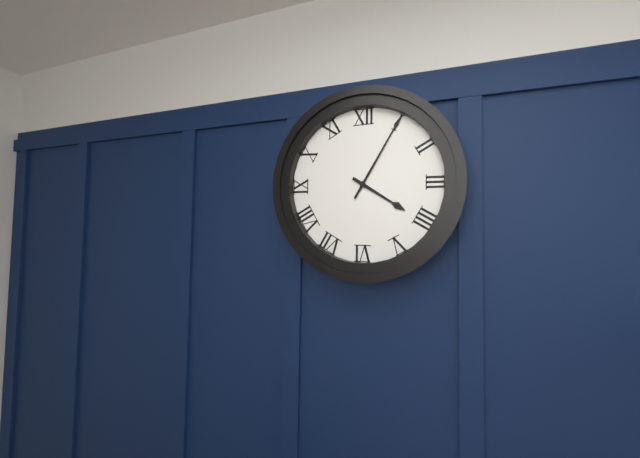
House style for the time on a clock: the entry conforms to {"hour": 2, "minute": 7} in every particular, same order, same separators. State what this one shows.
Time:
{"hour": 4, "minute": 5}
